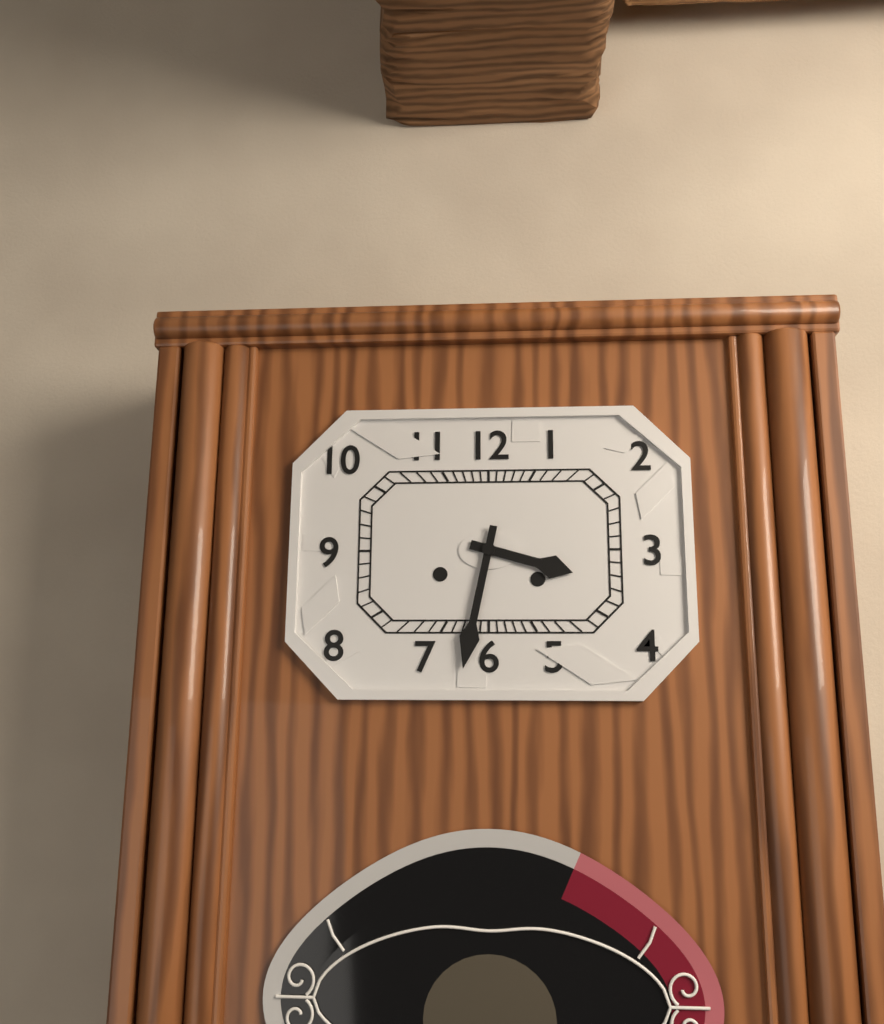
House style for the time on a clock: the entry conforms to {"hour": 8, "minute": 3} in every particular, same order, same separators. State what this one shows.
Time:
{"hour": 3, "minute": 32}
